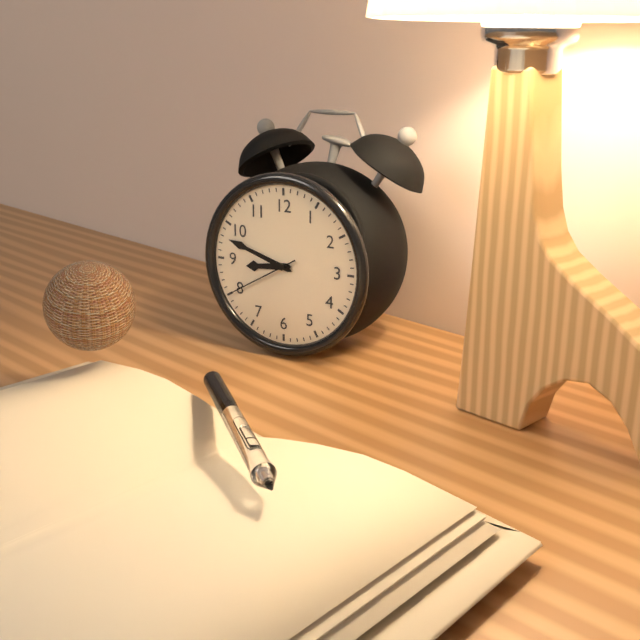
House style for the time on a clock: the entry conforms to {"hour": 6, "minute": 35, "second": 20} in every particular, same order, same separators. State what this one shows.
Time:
{"hour": 8, "minute": 48, "second": 40}
